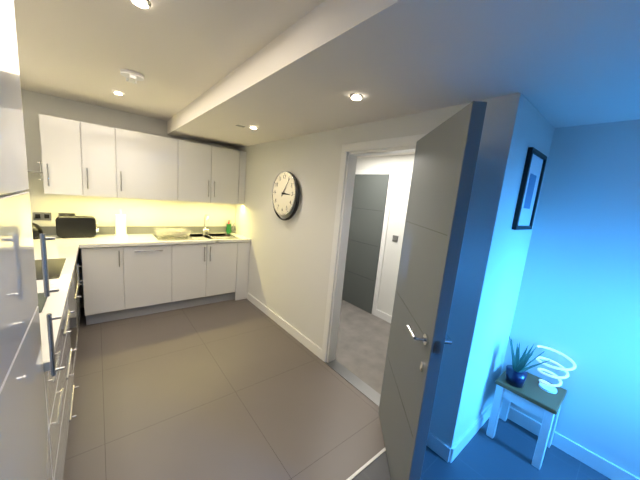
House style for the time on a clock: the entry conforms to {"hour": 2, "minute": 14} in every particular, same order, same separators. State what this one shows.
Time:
{"hour": 3, "minute": 6}
